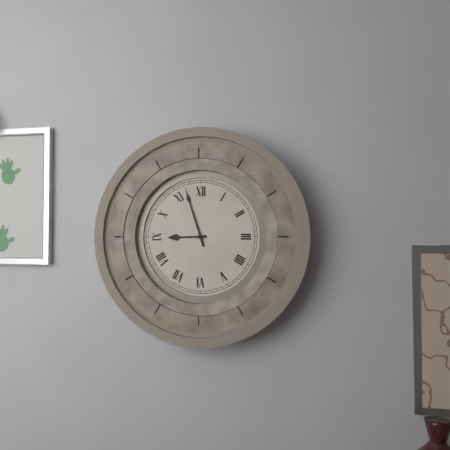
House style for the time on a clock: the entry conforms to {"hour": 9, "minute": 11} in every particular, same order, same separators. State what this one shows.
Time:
{"hour": 8, "minute": 57}
